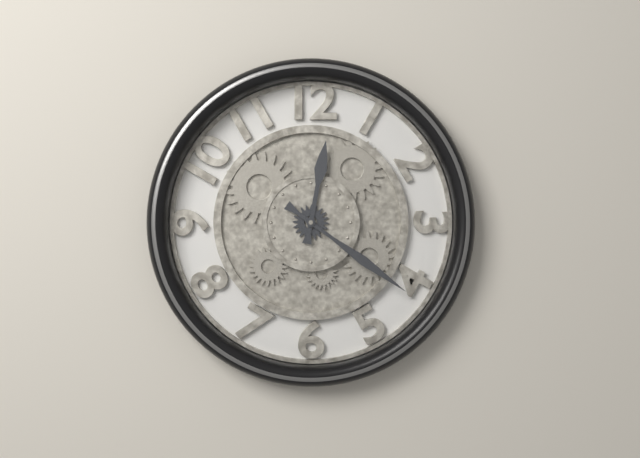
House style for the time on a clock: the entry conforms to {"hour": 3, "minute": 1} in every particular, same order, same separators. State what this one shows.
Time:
{"hour": 12, "minute": 21}
